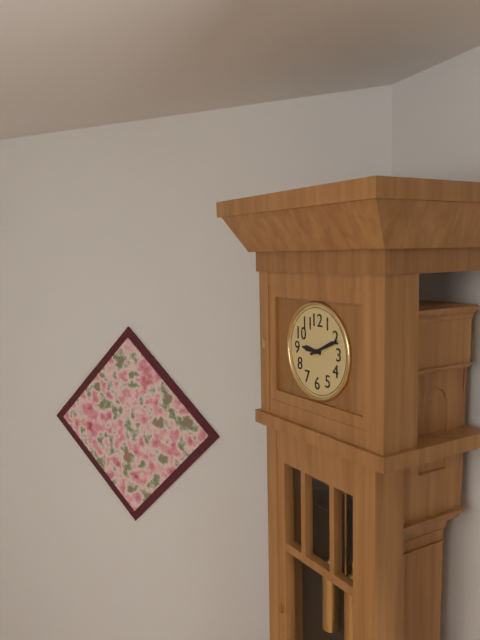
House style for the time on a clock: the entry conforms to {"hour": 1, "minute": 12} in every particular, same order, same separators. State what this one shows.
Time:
{"hour": 9, "minute": 11}
